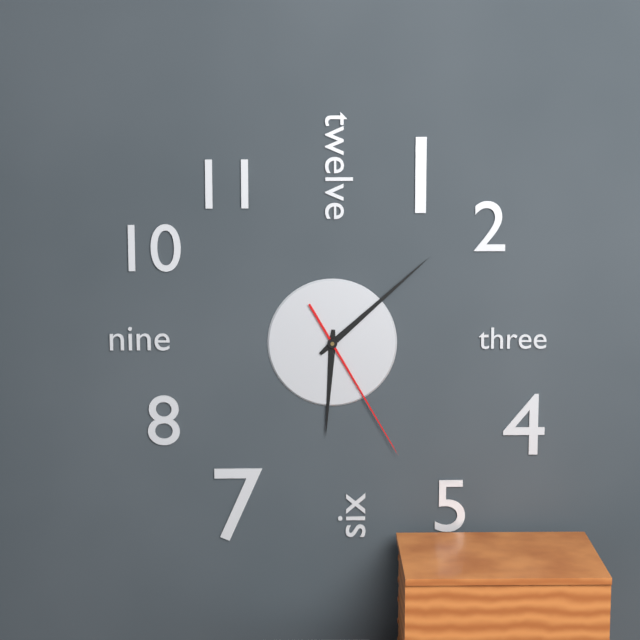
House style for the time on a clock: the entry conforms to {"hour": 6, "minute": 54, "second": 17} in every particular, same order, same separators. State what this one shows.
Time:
{"hour": 6, "minute": 8, "second": 25}
